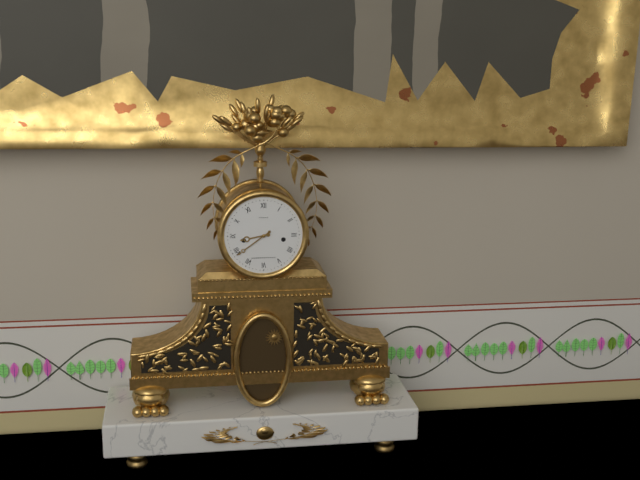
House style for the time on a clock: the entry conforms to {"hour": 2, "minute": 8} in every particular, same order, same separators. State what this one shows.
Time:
{"hour": 8, "minute": 39}
